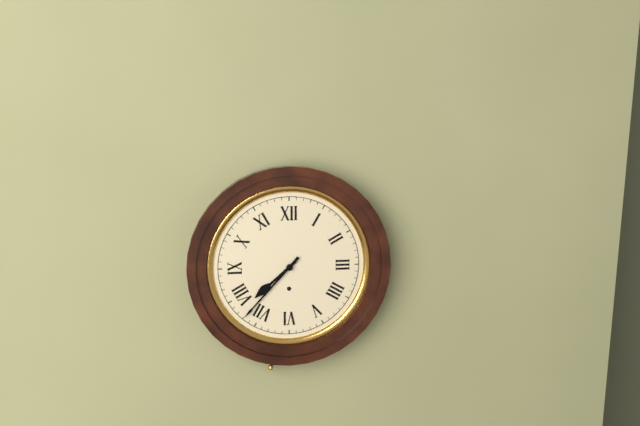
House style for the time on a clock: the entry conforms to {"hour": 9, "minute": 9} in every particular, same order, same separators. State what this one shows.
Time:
{"hour": 7, "minute": 37}
